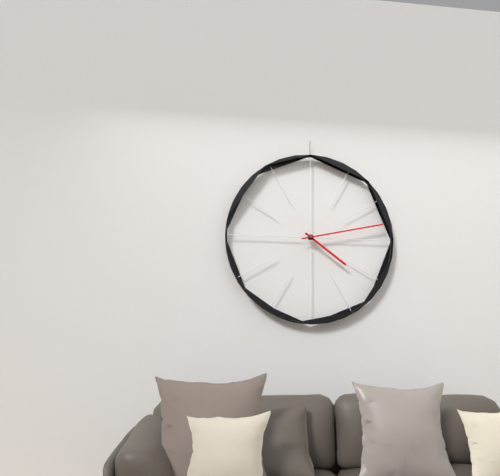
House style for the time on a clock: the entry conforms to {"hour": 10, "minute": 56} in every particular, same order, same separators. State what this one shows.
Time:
{"hour": 4, "minute": 13}
